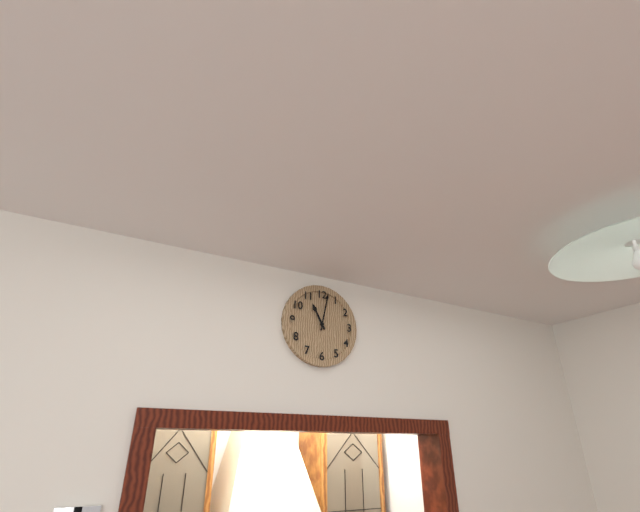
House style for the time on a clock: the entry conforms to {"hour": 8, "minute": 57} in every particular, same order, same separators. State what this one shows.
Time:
{"hour": 11, "minute": 2}
